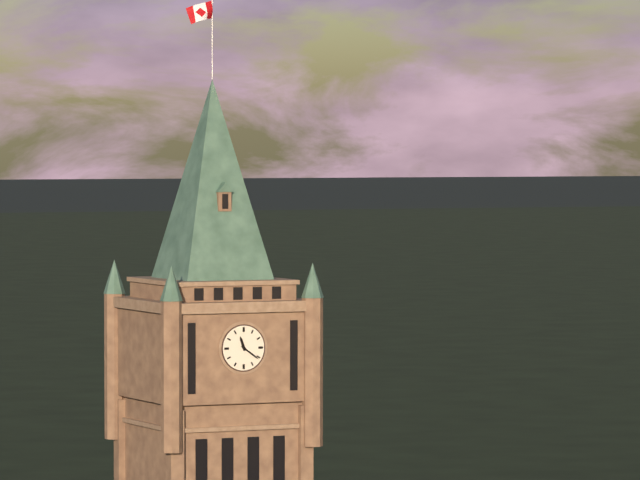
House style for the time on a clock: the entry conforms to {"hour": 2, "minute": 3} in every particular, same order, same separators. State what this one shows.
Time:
{"hour": 11, "minute": 21}
